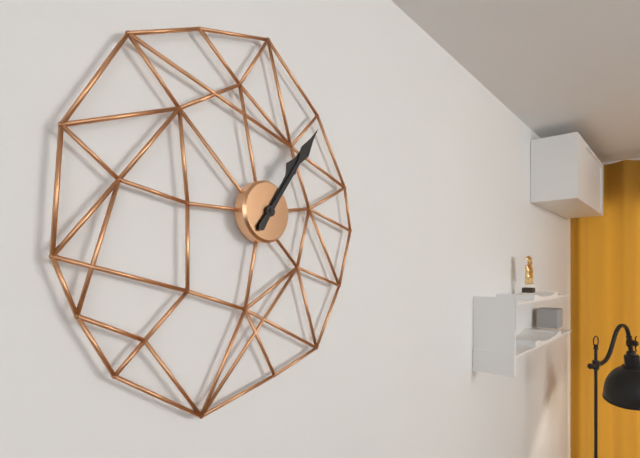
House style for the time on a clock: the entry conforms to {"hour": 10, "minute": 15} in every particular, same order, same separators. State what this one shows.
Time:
{"hour": 1, "minute": 6}
